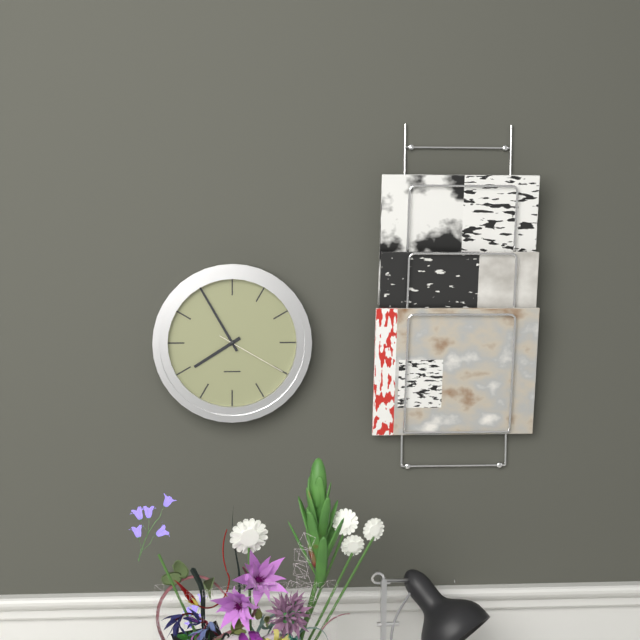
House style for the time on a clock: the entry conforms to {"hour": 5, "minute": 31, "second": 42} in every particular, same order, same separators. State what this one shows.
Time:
{"hour": 7, "minute": 55, "second": 20}
